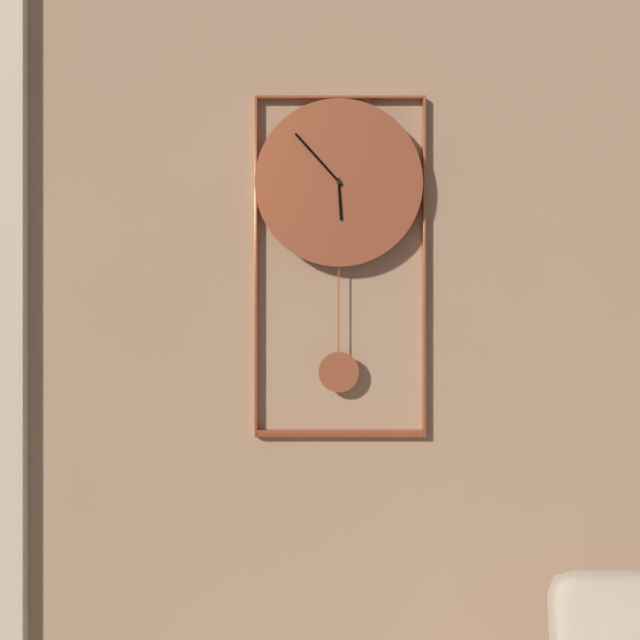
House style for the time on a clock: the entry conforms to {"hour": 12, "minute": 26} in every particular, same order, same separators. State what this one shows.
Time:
{"hour": 5, "minute": 53}
